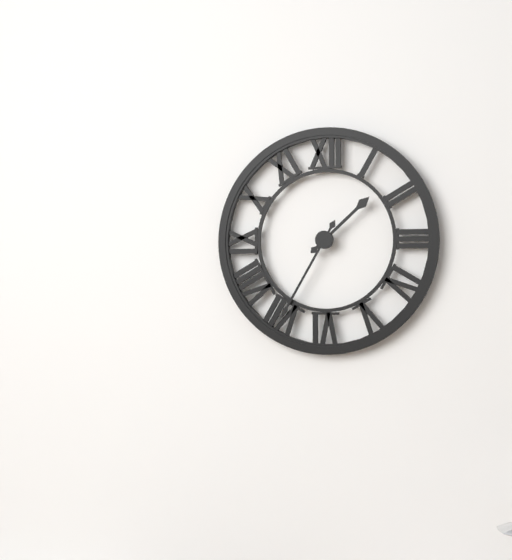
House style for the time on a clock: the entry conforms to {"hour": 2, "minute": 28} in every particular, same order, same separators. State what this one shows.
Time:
{"hour": 1, "minute": 35}
